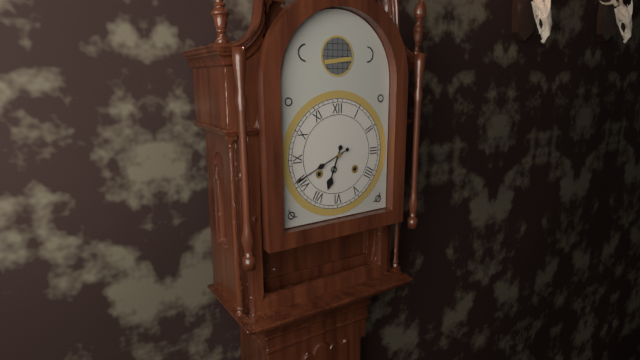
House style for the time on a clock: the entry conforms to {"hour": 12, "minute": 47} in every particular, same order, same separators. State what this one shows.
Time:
{"hour": 6, "minute": 41}
